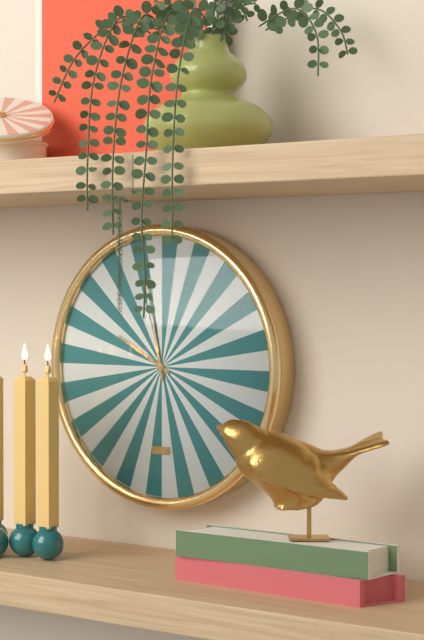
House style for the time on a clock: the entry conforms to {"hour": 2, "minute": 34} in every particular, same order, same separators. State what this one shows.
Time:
{"hour": 9, "minute": 58}
